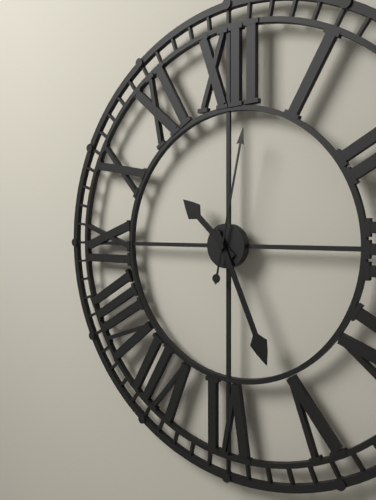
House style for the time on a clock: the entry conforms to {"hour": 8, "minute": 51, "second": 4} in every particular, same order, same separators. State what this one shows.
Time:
{"hour": 10, "minute": 26, "second": 2}
